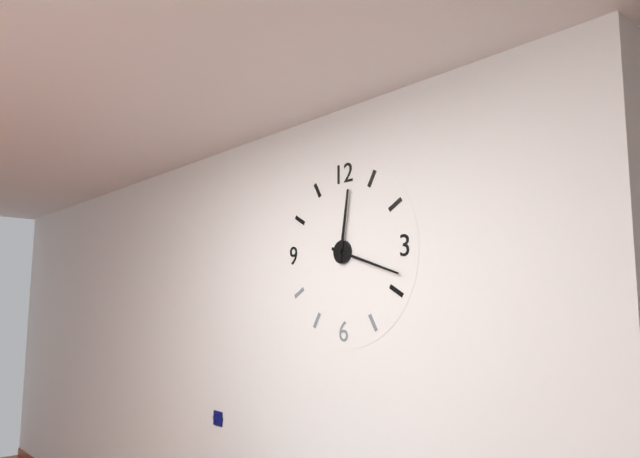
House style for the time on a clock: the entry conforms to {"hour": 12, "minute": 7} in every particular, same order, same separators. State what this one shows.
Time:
{"hour": 12, "minute": 18}
